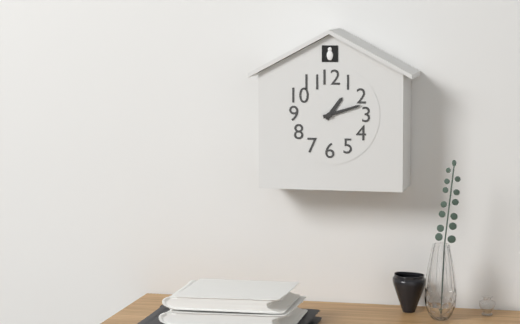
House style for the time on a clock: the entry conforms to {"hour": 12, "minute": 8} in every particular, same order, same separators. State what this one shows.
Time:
{"hour": 1, "minute": 12}
